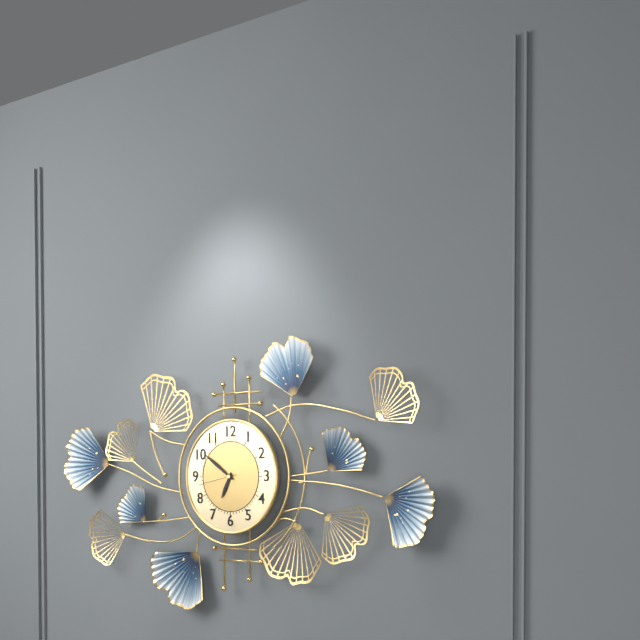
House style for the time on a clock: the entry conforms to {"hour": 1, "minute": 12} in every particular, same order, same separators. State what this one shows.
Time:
{"hour": 6, "minute": 51}
